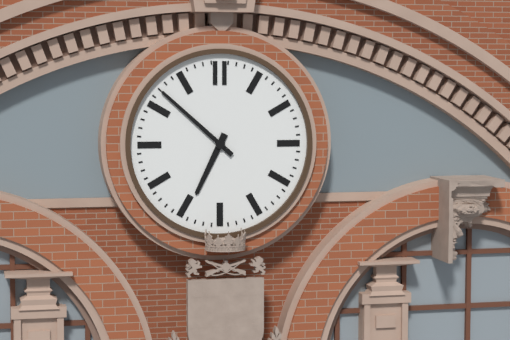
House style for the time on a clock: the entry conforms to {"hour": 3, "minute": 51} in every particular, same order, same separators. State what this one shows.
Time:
{"hour": 6, "minute": 52}
